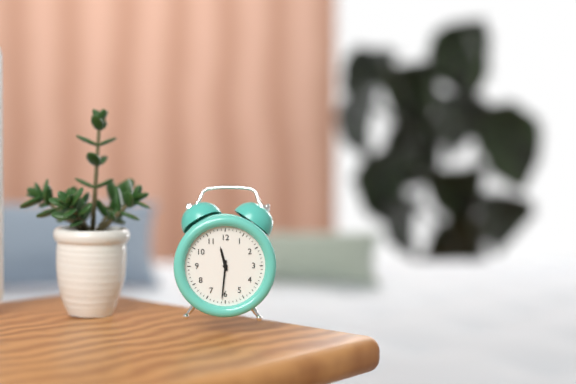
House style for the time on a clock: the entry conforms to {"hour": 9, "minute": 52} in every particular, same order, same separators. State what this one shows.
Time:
{"hour": 11, "minute": 31}
